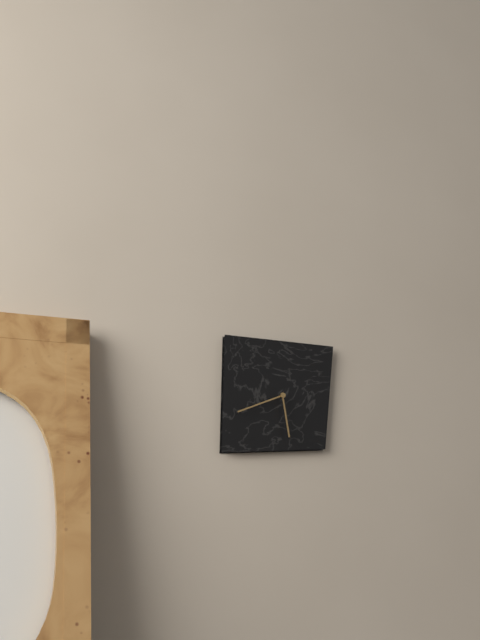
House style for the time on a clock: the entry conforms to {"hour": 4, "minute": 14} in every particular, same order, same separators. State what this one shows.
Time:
{"hour": 5, "minute": 41}
